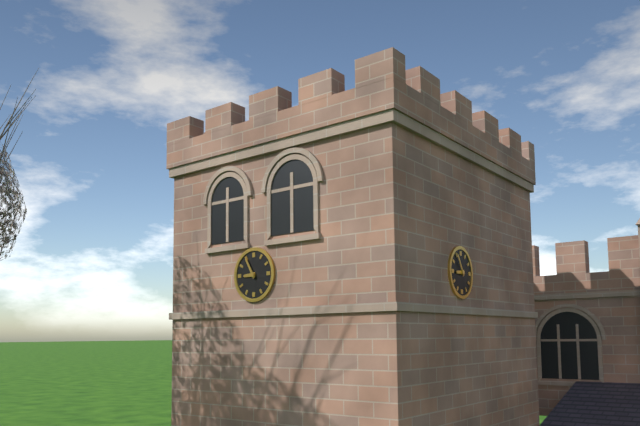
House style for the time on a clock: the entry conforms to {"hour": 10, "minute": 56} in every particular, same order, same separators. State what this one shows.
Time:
{"hour": 8, "minute": 55}
